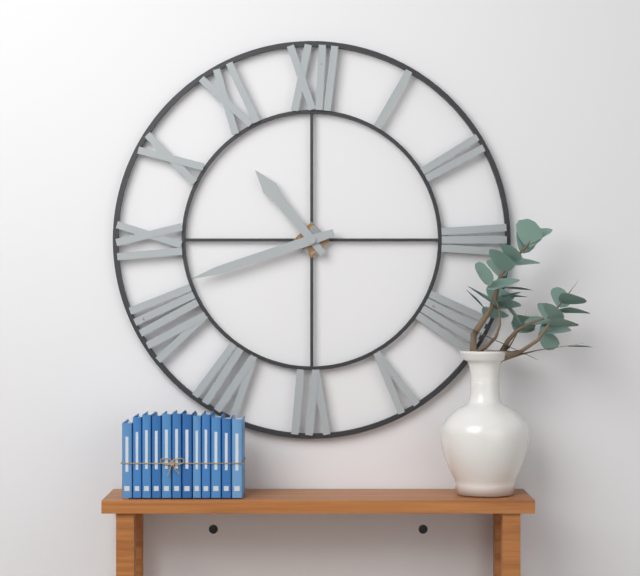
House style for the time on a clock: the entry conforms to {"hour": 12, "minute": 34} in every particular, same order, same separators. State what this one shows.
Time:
{"hour": 10, "minute": 42}
